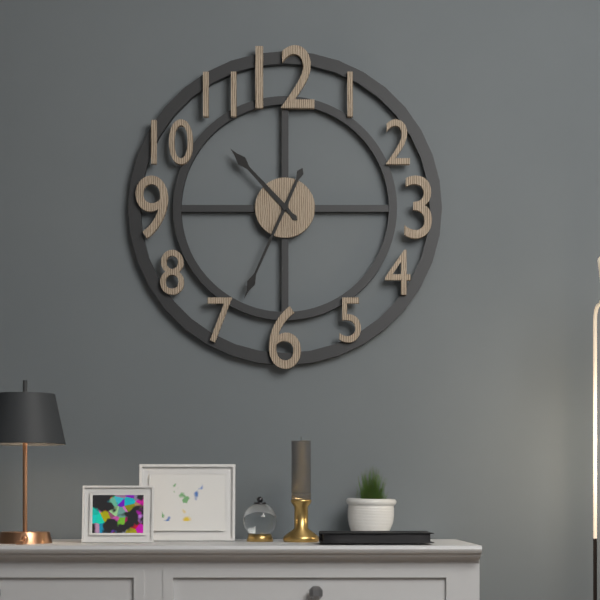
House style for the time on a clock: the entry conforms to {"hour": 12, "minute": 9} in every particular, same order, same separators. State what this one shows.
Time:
{"hour": 10, "minute": 34}
